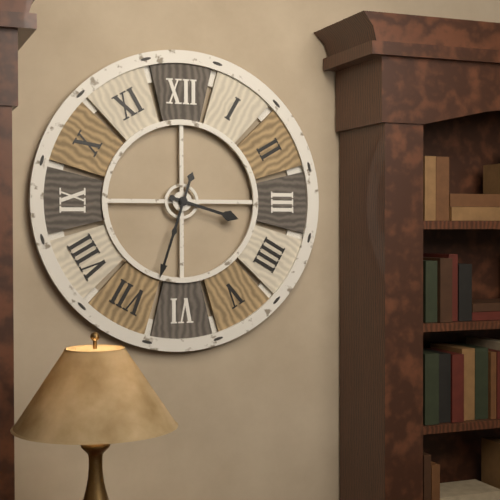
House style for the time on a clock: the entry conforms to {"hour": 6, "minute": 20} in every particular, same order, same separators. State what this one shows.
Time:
{"hour": 3, "minute": 33}
